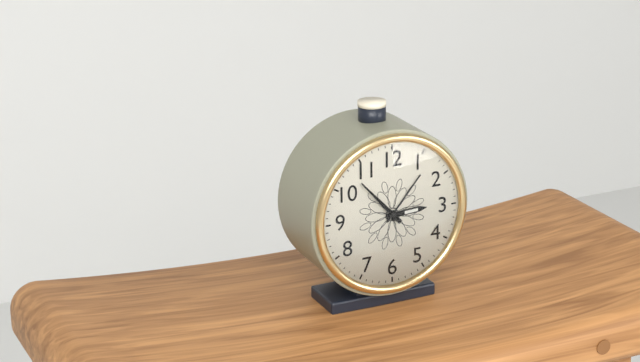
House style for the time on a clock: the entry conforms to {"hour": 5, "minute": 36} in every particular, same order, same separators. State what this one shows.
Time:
{"hour": 2, "minute": 53}
